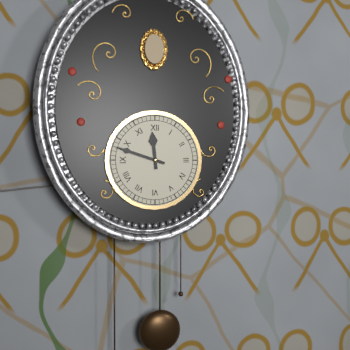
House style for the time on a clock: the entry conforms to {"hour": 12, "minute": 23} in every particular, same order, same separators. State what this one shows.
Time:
{"hour": 11, "minute": 48}
